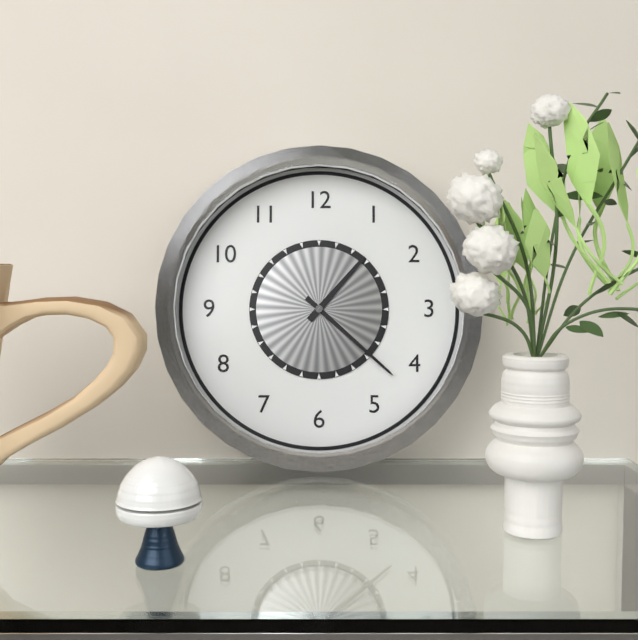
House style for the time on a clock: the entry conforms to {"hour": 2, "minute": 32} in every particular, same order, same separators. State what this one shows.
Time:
{"hour": 1, "minute": 22}
